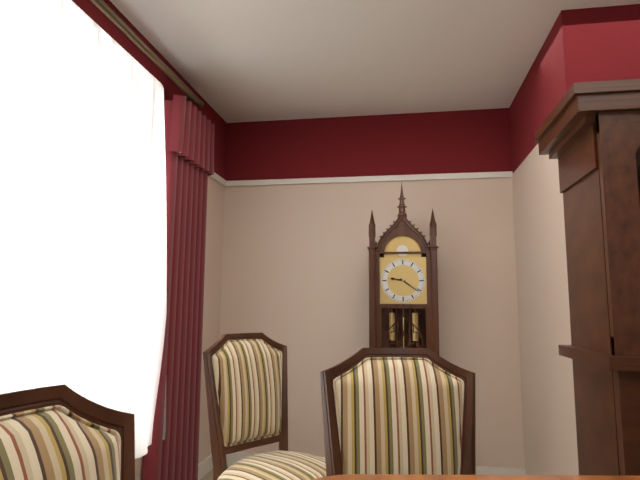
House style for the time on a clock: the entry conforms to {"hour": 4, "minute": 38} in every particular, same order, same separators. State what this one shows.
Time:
{"hour": 9, "minute": 21}
